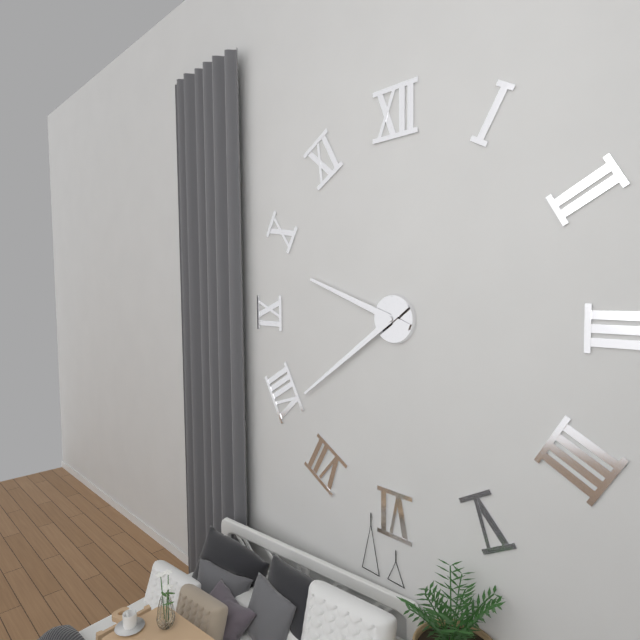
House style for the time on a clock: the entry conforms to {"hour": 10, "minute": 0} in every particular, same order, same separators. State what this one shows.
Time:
{"hour": 9, "minute": 39}
